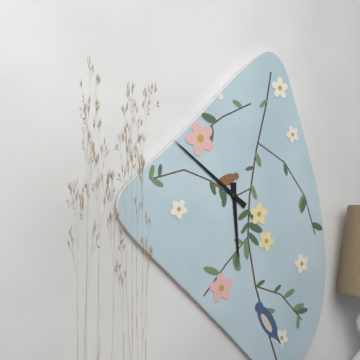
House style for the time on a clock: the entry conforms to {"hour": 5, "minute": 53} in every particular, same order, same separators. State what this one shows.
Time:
{"hour": 5, "minute": 51}
